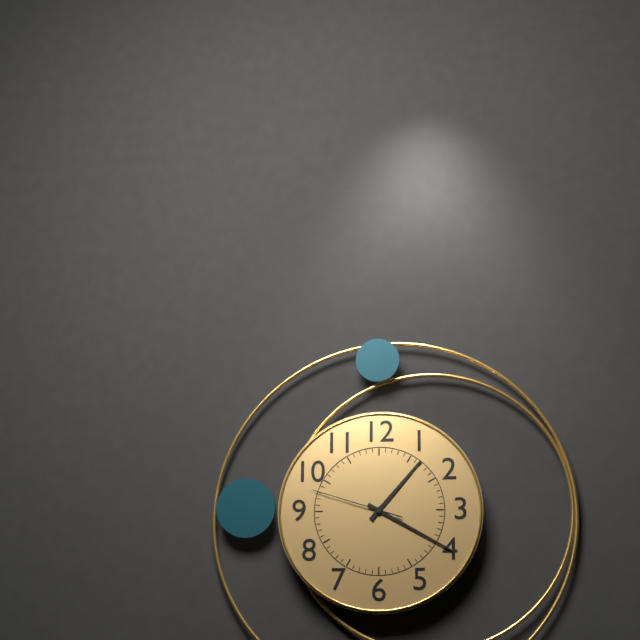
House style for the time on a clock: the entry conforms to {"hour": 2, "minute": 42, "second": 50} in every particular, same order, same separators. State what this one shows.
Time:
{"hour": 1, "minute": 20, "second": 48}
